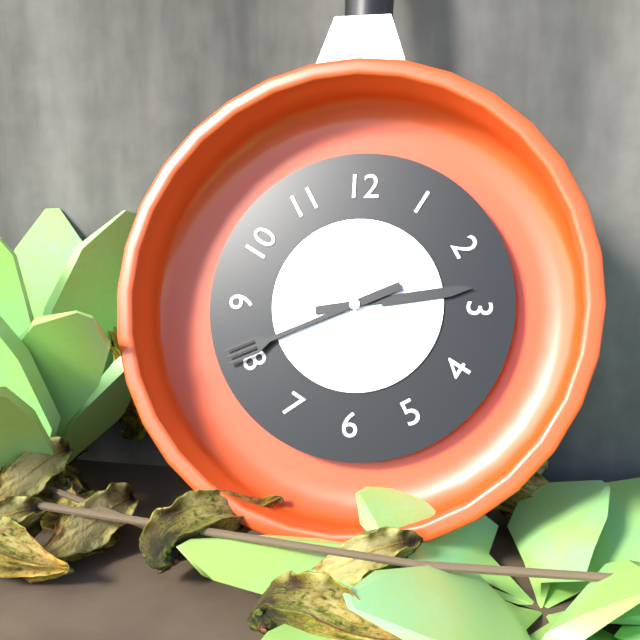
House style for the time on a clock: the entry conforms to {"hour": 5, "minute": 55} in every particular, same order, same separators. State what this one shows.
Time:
{"hour": 2, "minute": 41}
